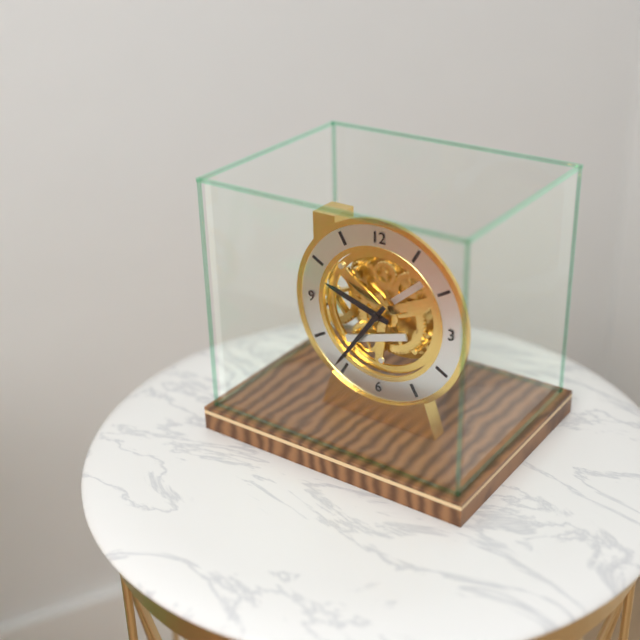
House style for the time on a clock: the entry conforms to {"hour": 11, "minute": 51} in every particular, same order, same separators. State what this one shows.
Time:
{"hour": 9, "minute": 36}
